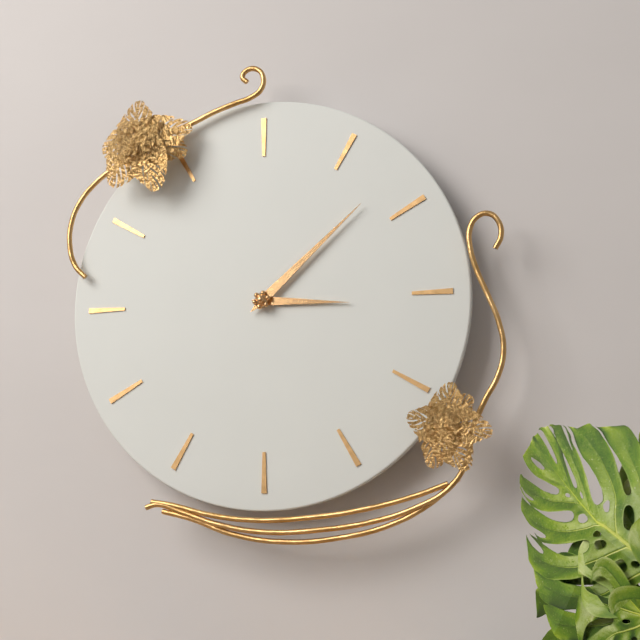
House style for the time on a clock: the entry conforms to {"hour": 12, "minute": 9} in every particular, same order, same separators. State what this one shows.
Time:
{"hour": 3, "minute": 8}
